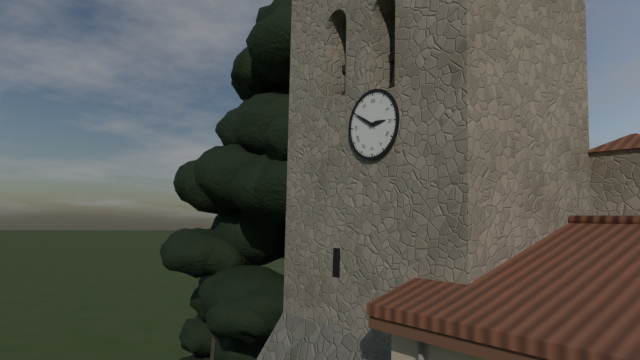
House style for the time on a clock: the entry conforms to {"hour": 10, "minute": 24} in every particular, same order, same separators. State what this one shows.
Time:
{"hour": 2, "minute": 50}
